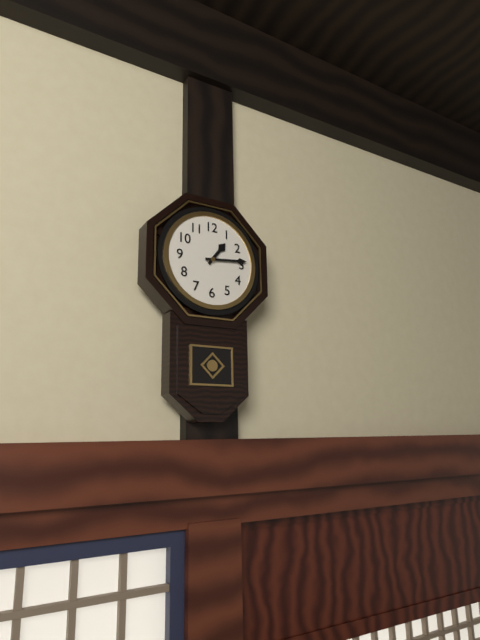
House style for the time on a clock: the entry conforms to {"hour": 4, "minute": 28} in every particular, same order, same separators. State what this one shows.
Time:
{"hour": 1, "minute": 14}
